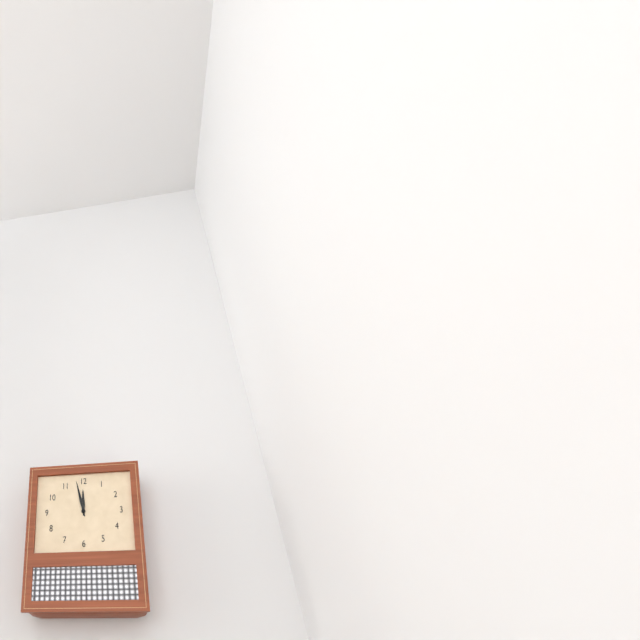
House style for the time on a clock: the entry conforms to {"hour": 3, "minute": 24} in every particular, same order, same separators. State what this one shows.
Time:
{"hour": 11, "minute": 58}
